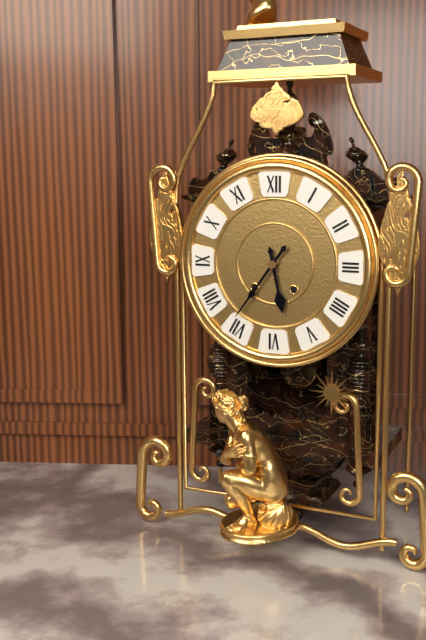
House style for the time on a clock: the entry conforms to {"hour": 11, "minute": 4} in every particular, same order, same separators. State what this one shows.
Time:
{"hour": 5, "minute": 36}
